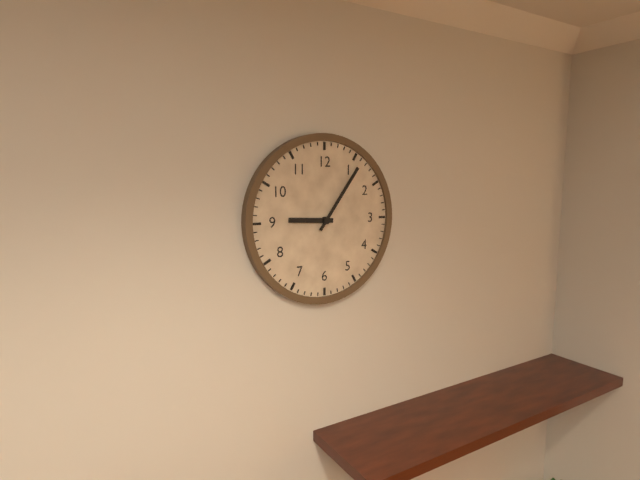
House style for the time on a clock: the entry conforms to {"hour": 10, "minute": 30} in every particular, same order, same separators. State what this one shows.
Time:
{"hour": 9, "minute": 6}
